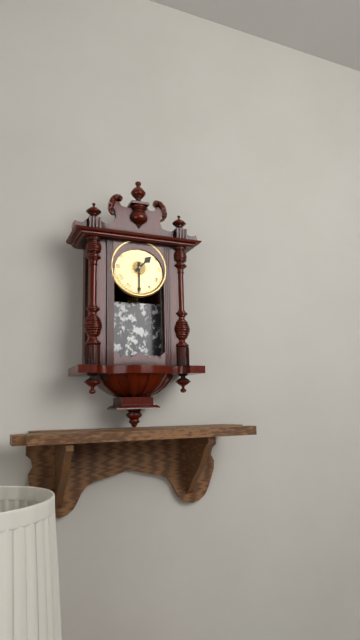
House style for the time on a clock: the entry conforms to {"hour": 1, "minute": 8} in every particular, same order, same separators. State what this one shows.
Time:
{"hour": 1, "minute": 30}
